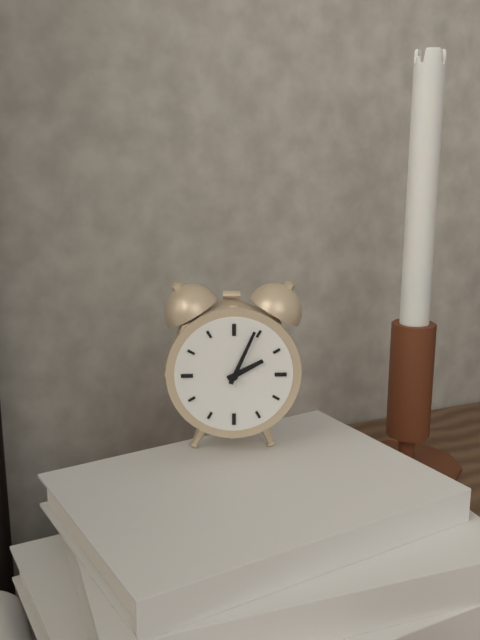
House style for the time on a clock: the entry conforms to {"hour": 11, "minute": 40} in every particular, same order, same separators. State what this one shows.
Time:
{"hour": 2, "minute": 4}
